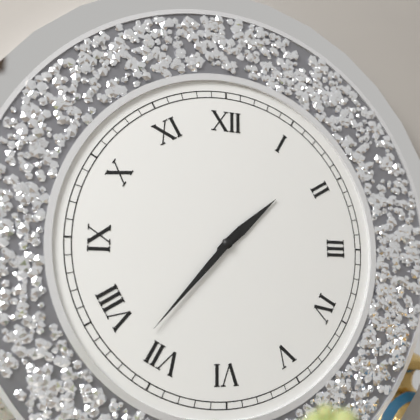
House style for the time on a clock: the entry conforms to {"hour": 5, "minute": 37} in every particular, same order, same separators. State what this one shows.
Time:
{"hour": 1, "minute": 37}
